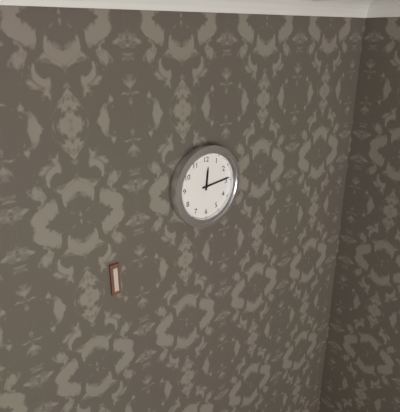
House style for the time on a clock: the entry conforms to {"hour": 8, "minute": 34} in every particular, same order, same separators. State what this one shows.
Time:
{"hour": 12, "minute": 14}
